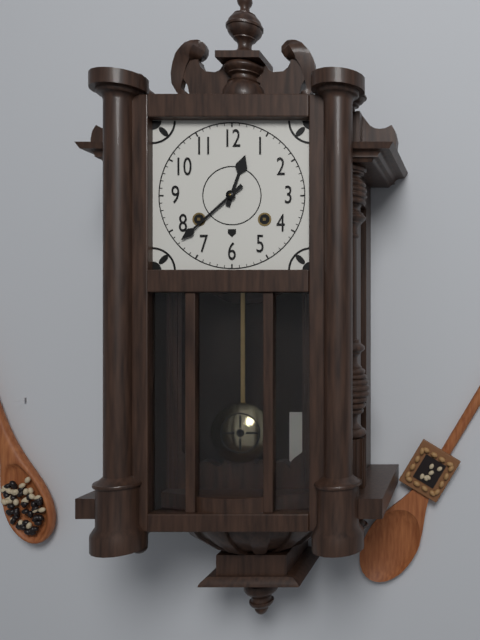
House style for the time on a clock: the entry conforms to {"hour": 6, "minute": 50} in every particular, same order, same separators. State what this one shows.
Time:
{"hour": 12, "minute": 38}
